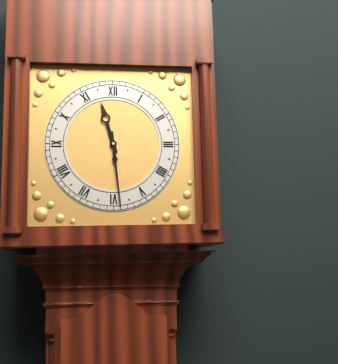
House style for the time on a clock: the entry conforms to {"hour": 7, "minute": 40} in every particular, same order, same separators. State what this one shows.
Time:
{"hour": 11, "minute": 29}
